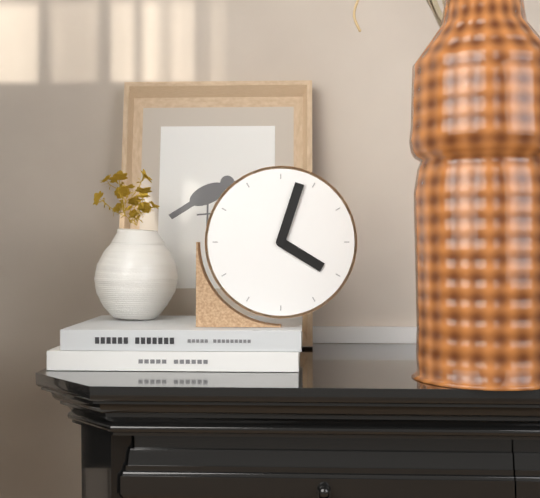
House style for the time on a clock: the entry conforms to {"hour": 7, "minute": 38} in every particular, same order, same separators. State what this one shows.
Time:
{"hour": 4, "minute": 3}
